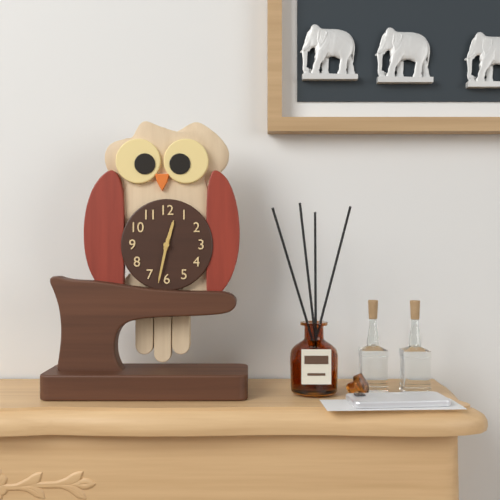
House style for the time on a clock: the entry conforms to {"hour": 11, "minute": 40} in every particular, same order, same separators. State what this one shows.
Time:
{"hour": 12, "minute": 32}
